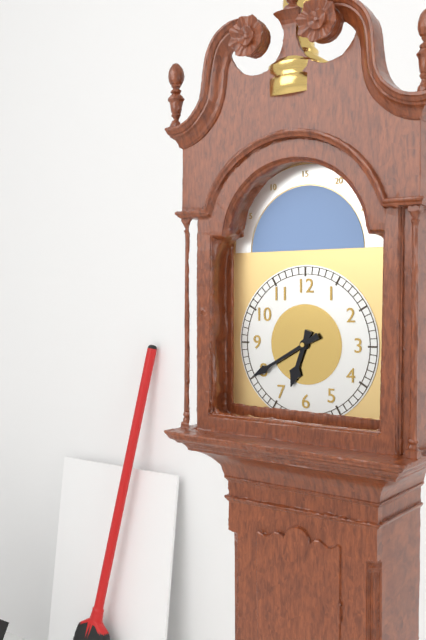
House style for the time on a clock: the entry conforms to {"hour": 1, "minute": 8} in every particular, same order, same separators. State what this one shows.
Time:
{"hour": 6, "minute": 40}
